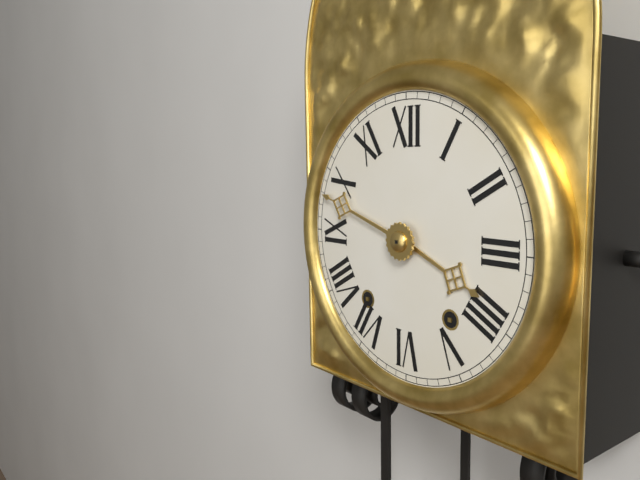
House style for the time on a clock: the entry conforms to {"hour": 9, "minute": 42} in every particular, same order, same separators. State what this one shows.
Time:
{"hour": 3, "minute": 48}
